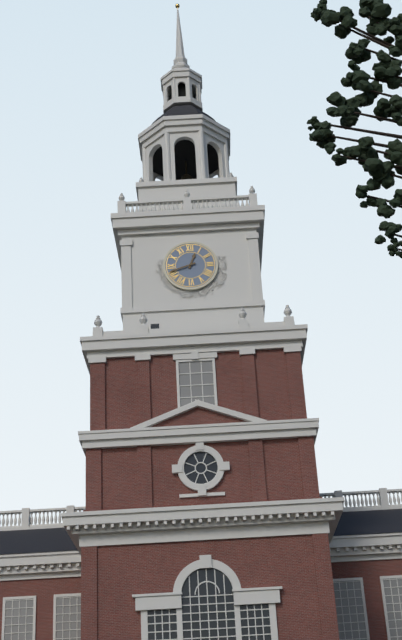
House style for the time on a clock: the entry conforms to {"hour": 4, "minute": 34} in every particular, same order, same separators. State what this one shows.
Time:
{"hour": 12, "minute": 42}
